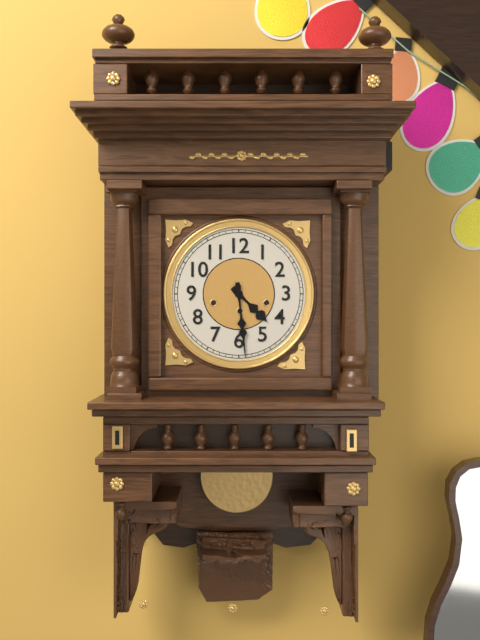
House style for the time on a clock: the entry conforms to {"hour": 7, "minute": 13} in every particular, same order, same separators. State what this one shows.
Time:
{"hour": 4, "minute": 29}
